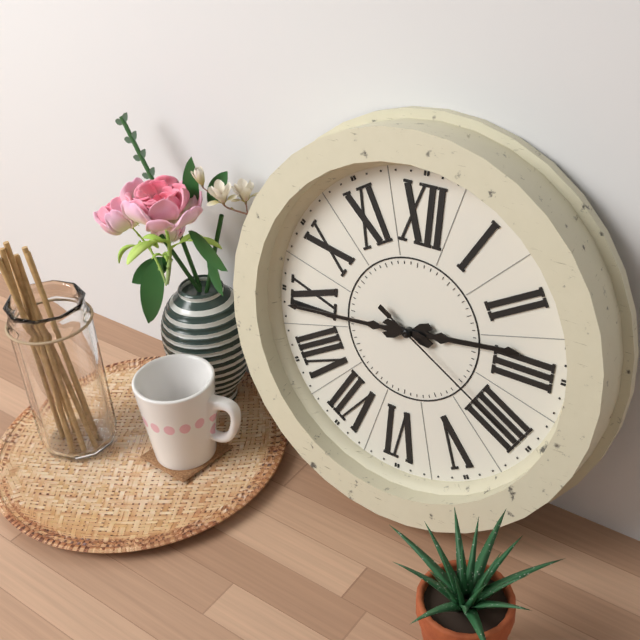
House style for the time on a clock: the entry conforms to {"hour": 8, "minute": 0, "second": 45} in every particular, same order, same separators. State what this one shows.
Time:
{"hour": 2, "minute": 44, "second": 20}
